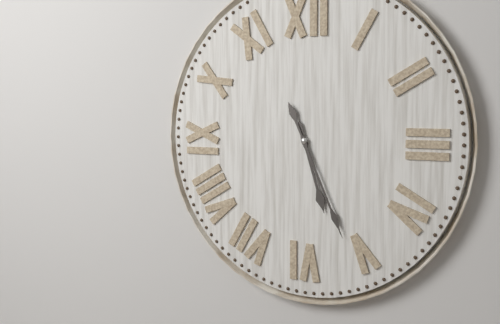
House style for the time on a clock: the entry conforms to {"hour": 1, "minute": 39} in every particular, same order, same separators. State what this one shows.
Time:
{"hour": 5, "minute": 26}
